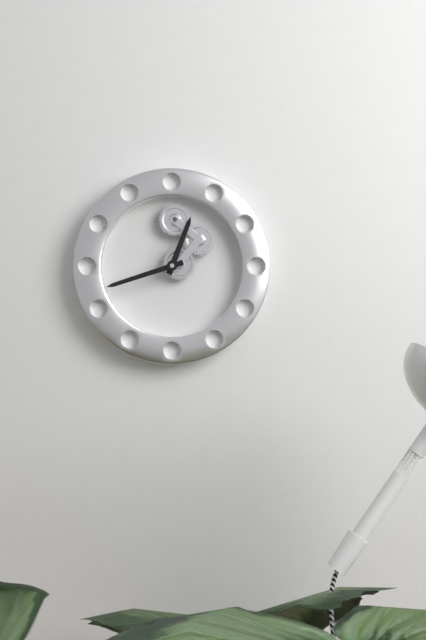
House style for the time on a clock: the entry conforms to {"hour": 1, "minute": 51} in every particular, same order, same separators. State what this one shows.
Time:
{"hour": 12, "minute": 42}
